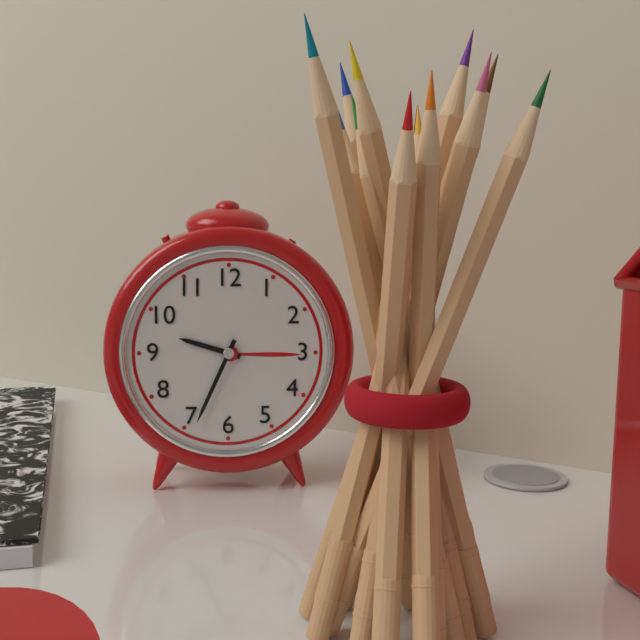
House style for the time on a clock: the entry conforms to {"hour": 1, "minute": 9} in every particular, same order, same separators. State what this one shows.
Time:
{"hour": 9, "minute": 34}
